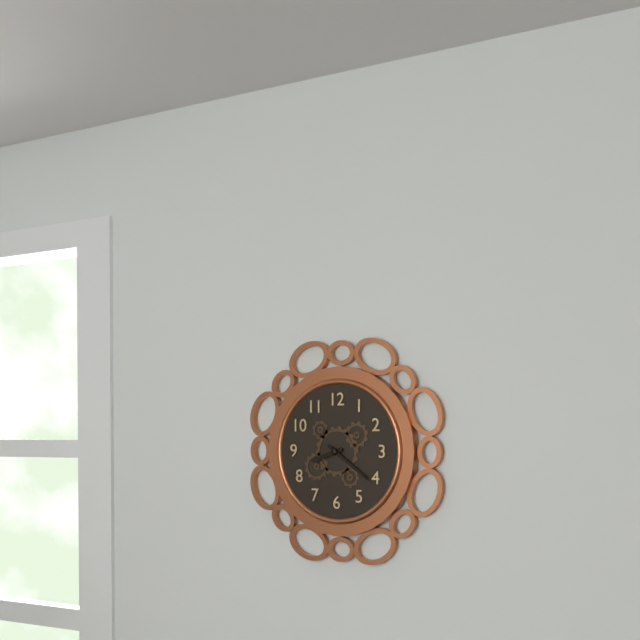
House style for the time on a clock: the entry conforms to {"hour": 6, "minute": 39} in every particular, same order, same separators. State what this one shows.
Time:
{"hour": 8, "minute": 21}
